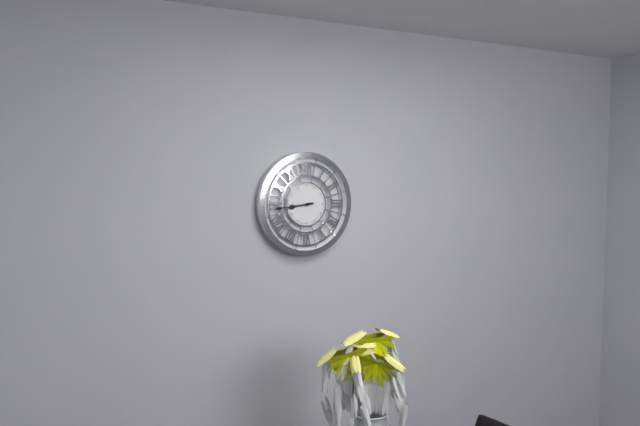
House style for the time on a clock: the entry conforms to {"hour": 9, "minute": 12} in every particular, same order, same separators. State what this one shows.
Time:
{"hour": 8, "minute": 44}
